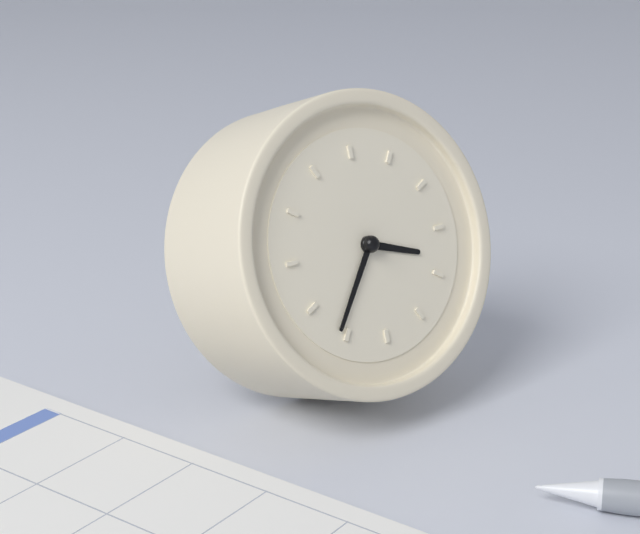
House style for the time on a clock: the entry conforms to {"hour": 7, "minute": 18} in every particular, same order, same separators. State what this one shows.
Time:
{"hour": 3, "minute": 36}
